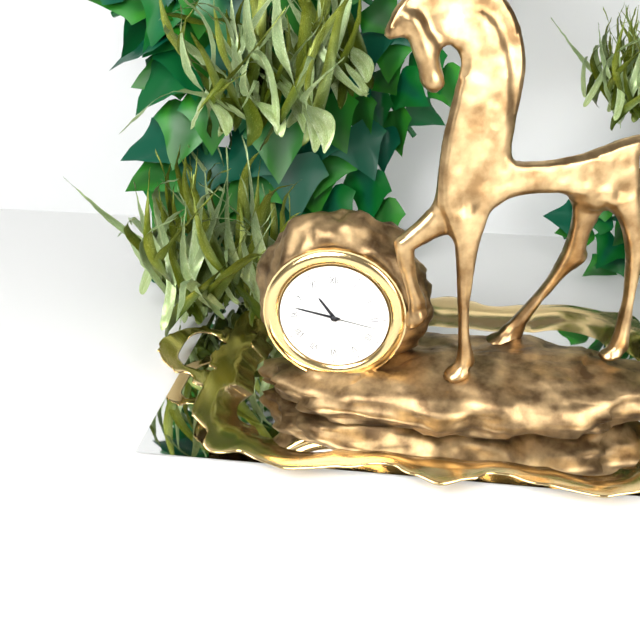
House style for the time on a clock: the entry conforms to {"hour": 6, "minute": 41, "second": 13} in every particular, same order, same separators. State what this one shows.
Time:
{"hour": 10, "minute": 47, "second": 17}
